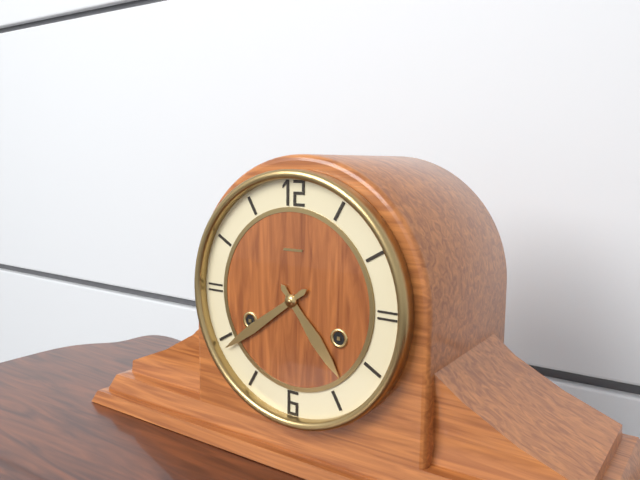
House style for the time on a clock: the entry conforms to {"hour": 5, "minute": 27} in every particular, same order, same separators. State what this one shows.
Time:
{"hour": 4, "minute": 39}
